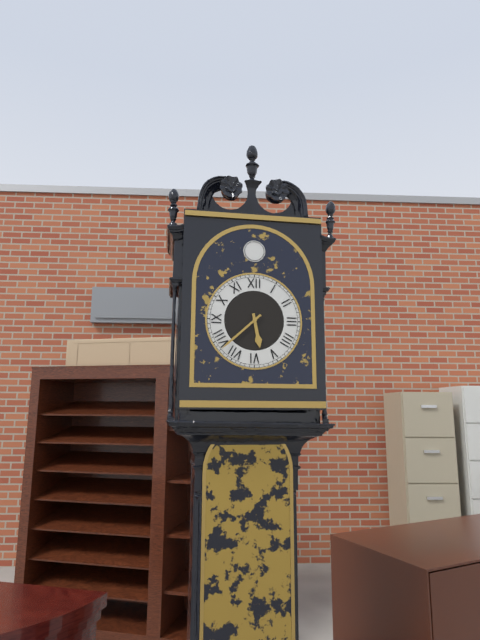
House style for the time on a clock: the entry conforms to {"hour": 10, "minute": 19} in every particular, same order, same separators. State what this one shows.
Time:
{"hour": 5, "minute": 38}
